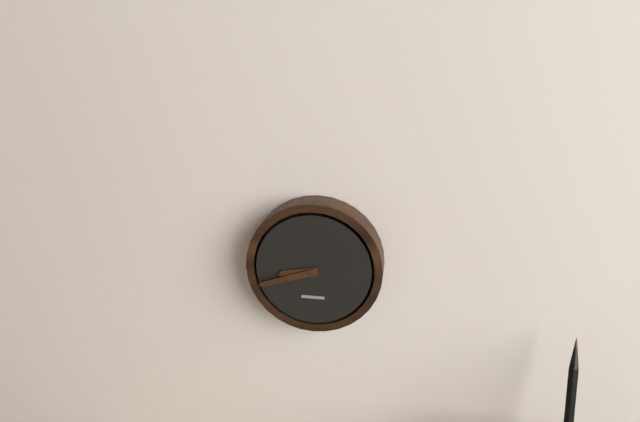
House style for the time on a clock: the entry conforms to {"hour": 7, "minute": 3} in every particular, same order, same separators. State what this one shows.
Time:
{"hour": 8, "minute": 42}
